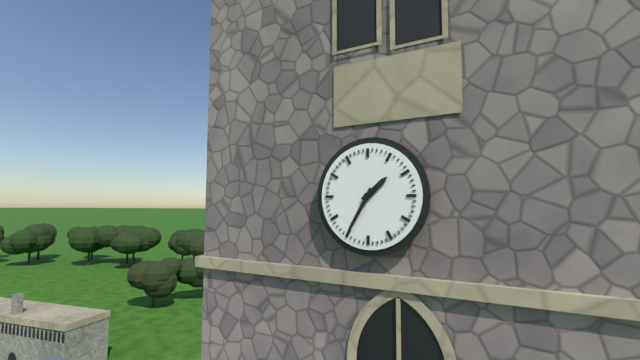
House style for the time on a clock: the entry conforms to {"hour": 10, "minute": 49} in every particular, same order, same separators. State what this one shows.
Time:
{"hour": 1, "minute": 35}
